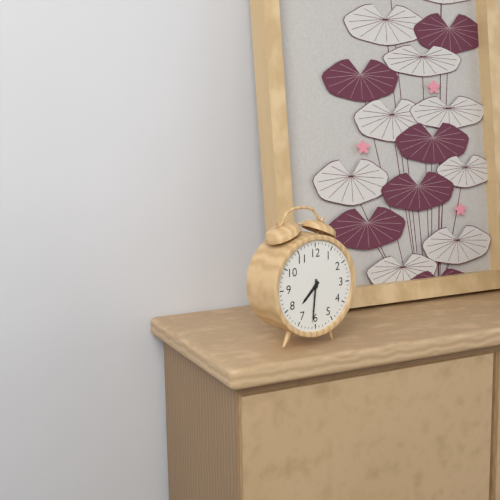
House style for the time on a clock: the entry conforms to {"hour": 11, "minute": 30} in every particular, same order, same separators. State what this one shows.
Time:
{"hour": 7, "minute": 31}
